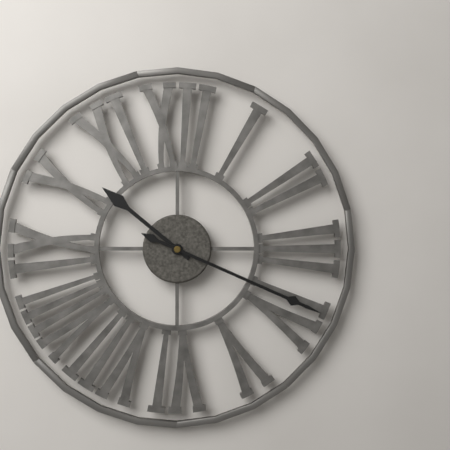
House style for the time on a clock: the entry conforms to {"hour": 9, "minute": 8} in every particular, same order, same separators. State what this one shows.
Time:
{"hour": 10, "minute": 19}
